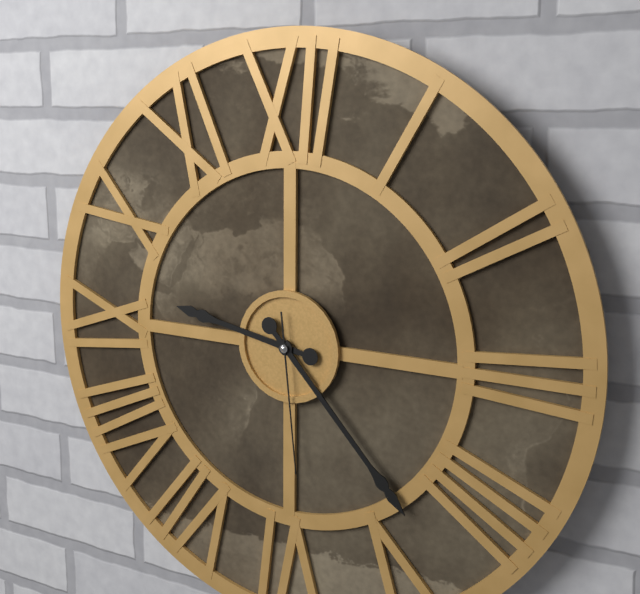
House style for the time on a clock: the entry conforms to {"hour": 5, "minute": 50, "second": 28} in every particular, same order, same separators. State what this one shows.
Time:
{"hour": 9, "minute": 23, "second": 29}
